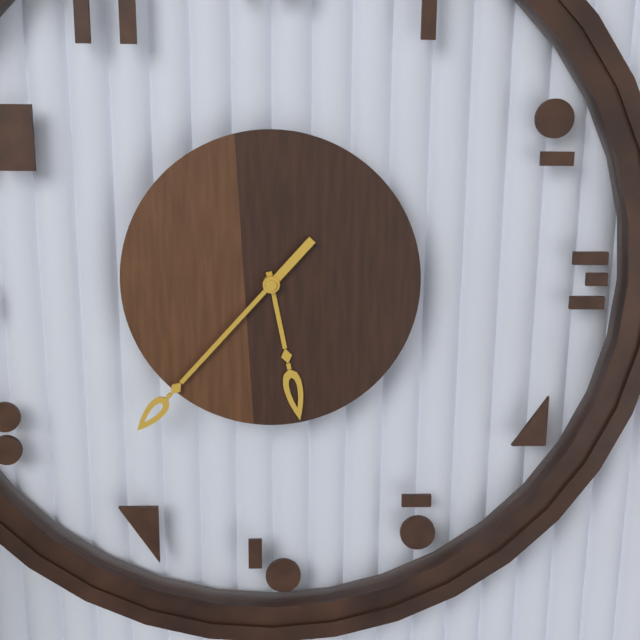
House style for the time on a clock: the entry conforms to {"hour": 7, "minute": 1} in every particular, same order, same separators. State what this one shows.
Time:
{"hour": 5, "minute": 37}
